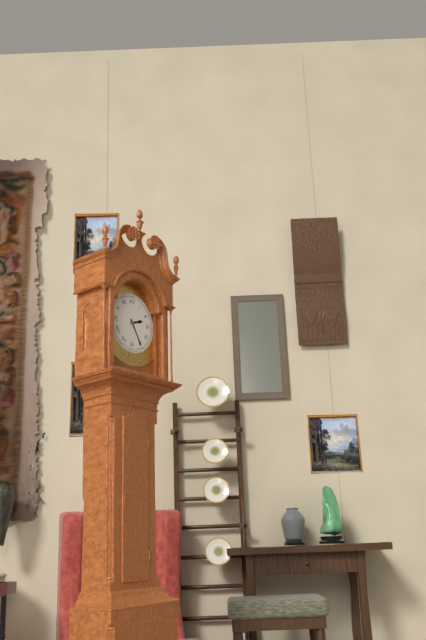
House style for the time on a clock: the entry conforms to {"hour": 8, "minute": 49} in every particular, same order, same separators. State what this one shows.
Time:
{"hour": 2, "minute": 25}
